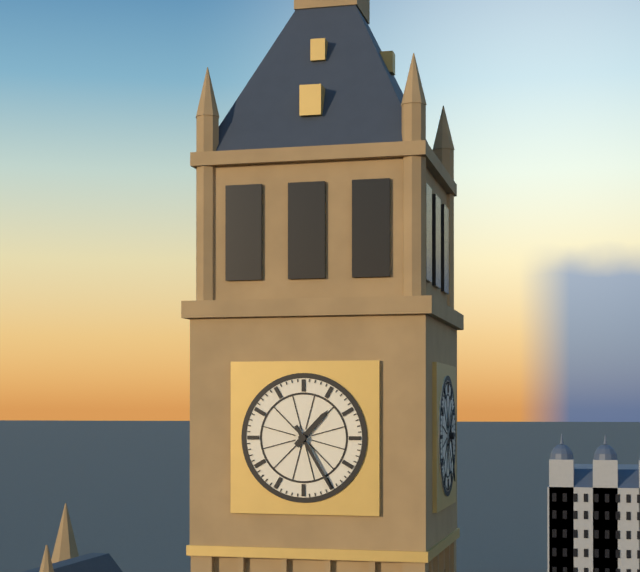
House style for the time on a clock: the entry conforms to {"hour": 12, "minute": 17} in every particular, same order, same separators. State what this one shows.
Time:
{"hour": 1, "minute": 25}
